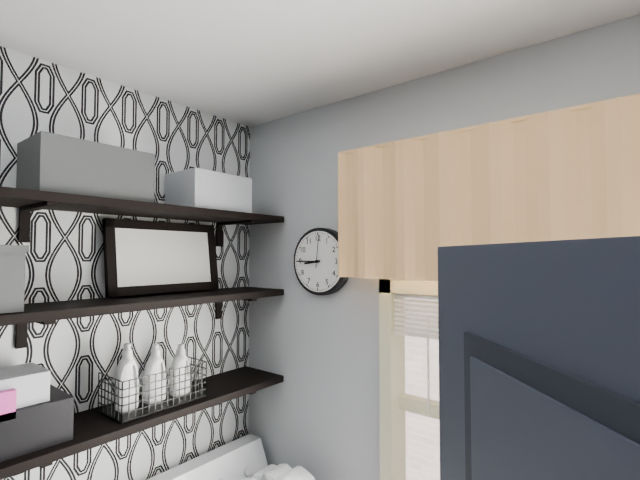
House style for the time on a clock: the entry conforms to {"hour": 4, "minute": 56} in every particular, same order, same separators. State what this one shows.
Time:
{"hour": 8, "minute": 45}
